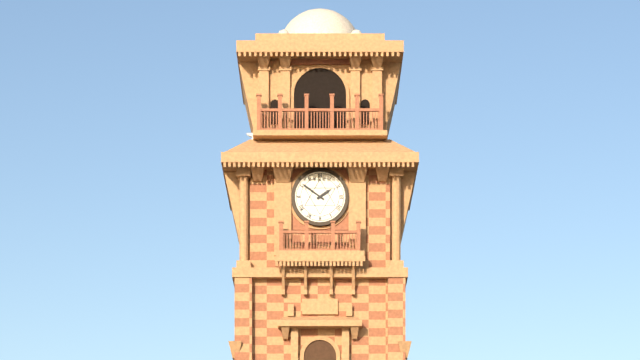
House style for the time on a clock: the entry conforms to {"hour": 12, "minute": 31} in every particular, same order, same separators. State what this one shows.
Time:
{"hour": 1, "minute": 51}
